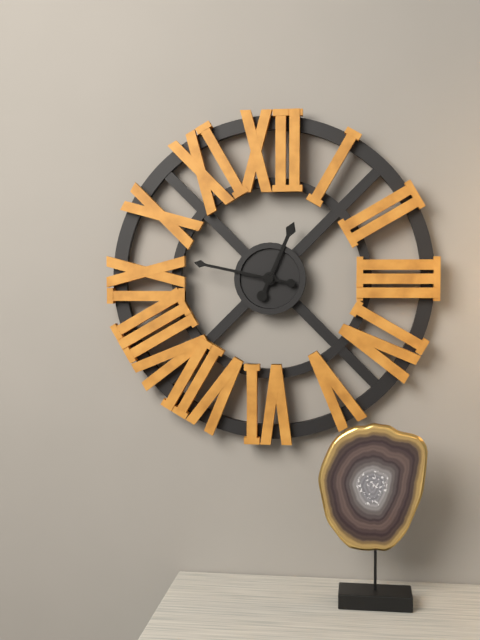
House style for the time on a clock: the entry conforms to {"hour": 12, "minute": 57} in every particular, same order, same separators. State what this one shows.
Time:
{"hour": 12, "minute": 47}
